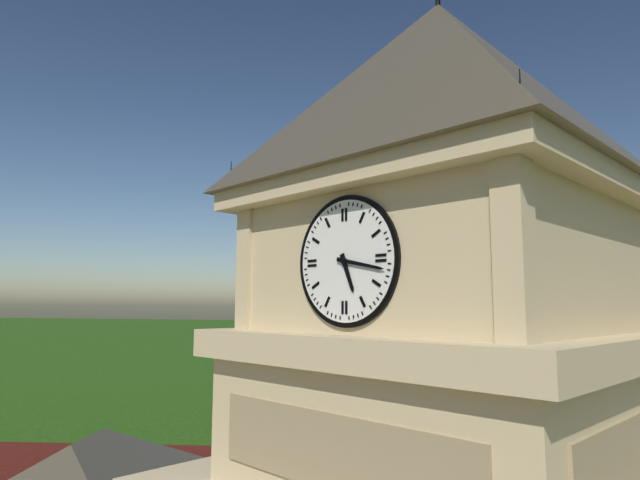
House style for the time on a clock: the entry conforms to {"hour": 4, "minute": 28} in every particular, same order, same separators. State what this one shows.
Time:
{"hour": 5, "minute": 17}
